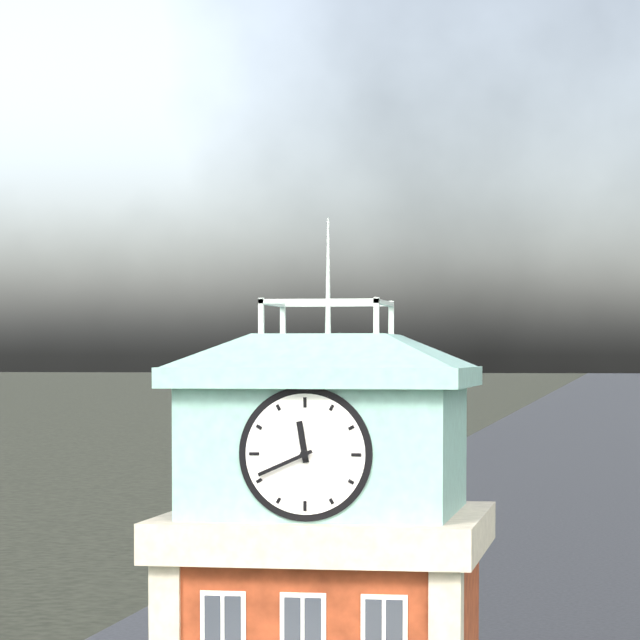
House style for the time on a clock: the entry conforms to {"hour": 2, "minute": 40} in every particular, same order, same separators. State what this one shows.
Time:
{"hour": 11, "minute": 41}
